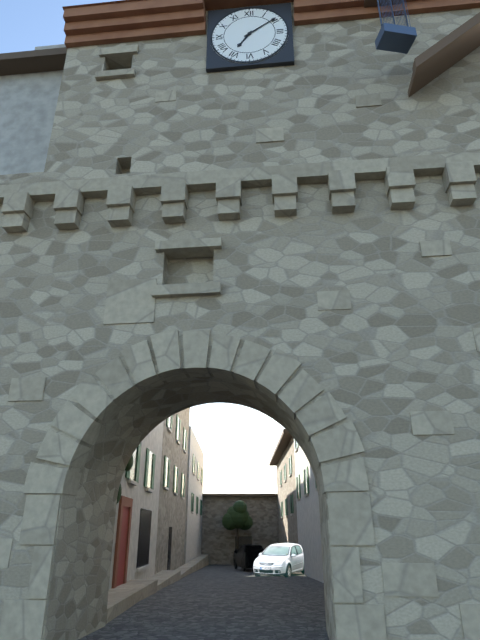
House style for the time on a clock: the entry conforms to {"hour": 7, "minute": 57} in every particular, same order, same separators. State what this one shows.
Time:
{"hour": 7, "minute": 9}
